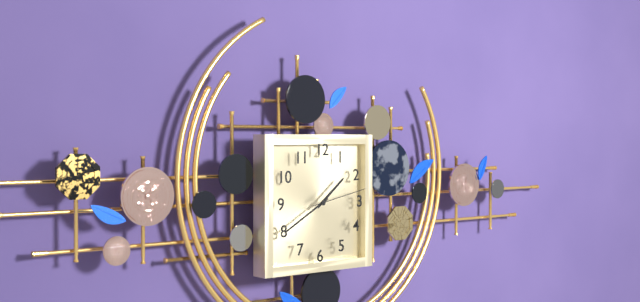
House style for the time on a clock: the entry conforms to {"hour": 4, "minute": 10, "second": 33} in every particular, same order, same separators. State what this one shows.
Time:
{"hour": 1, "minute": 40, "second": 13}
